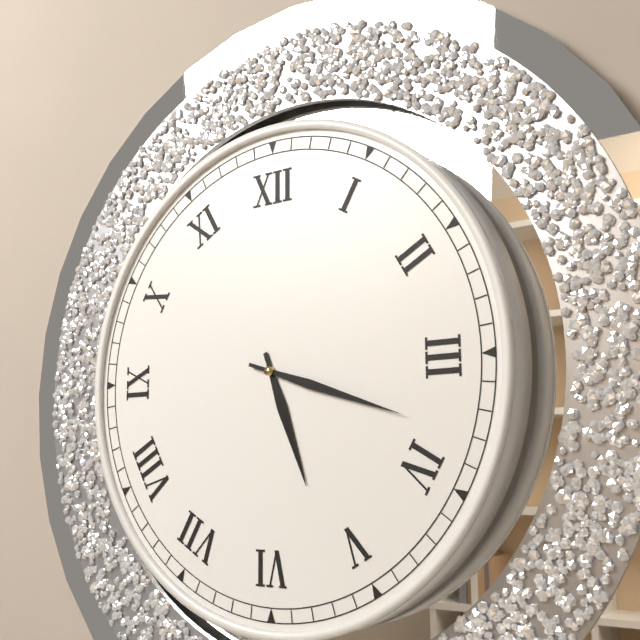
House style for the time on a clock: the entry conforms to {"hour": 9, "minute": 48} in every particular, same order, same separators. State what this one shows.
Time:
{"hour": 5, "minute": 18}
